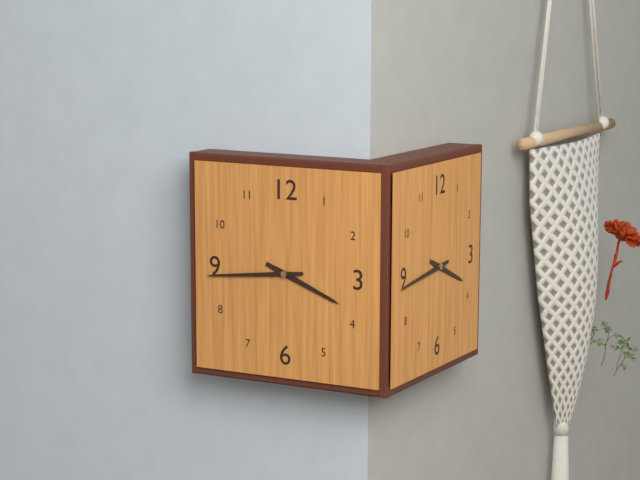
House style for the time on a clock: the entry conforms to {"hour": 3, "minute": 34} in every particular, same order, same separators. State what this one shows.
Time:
{"hour": 3, "minute": 44}
